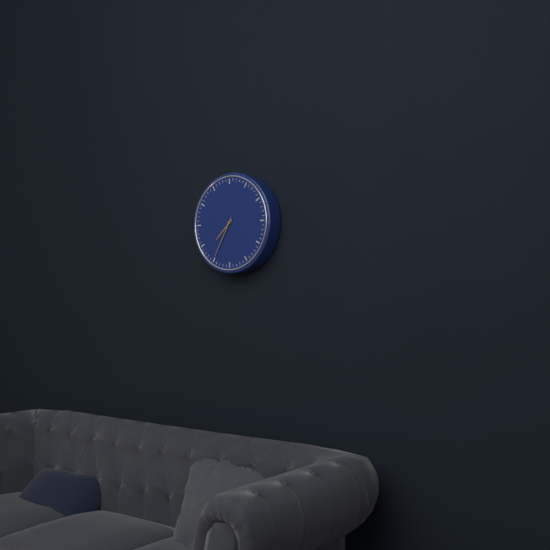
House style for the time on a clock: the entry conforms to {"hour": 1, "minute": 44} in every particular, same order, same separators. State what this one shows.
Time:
{"hour": 7, "minute": 35}
